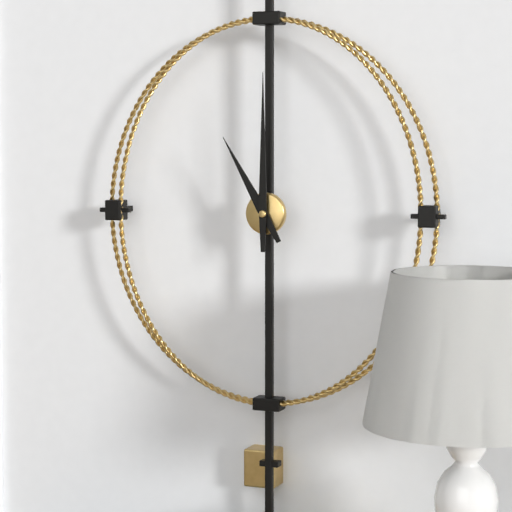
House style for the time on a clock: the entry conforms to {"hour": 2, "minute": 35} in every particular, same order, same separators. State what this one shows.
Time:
{"hour": 11, "minute": 0}
